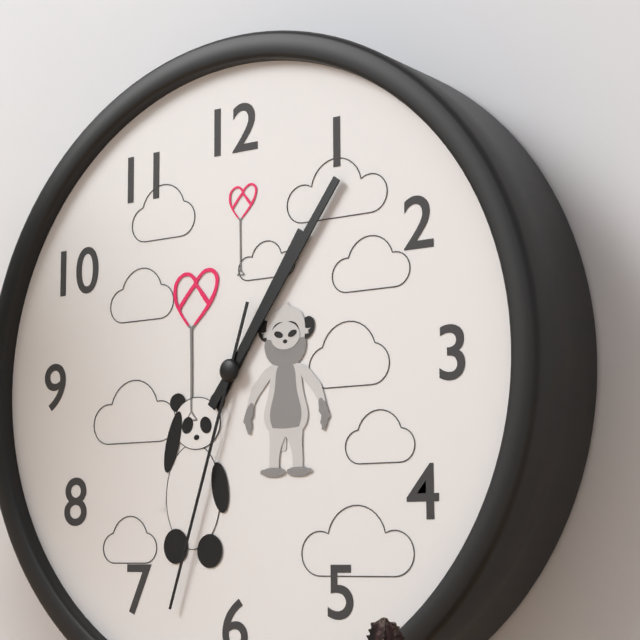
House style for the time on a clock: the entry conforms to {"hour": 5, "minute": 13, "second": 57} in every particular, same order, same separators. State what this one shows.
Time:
{"hour": 1, "minute": 6, "second": 33}
